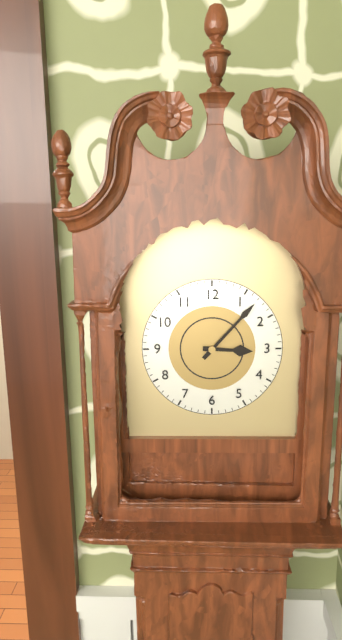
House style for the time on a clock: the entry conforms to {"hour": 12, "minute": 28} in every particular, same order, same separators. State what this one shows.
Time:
{"hour": 3, "minute": 7}
